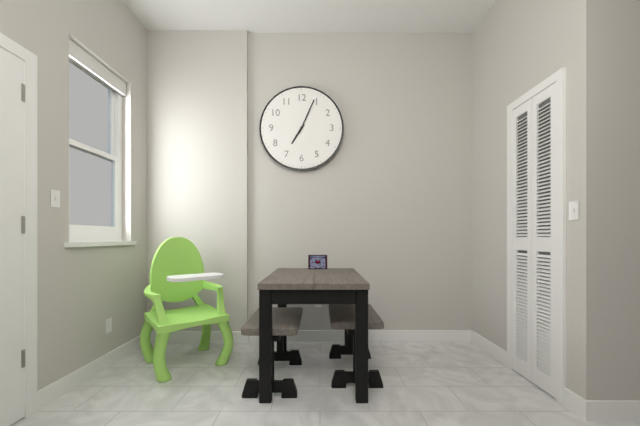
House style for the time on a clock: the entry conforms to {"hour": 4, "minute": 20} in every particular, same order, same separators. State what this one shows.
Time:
{"hour": 7, "minute": 4}
